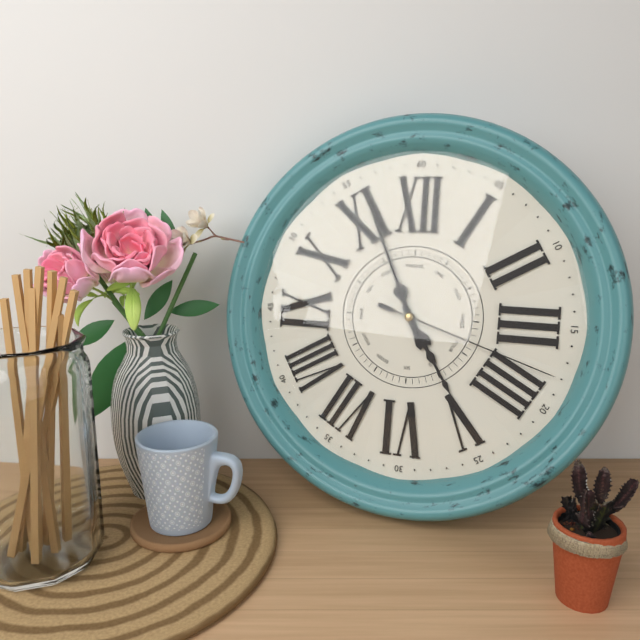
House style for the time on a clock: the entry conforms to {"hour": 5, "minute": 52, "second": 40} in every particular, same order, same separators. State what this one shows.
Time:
{"hour": 4, "minute": 56, "second": 18}
